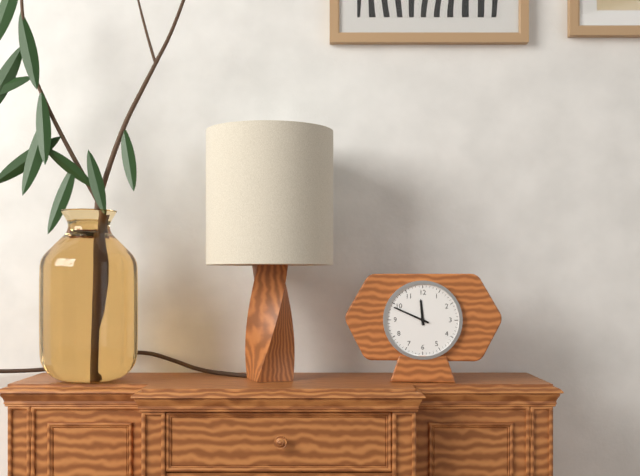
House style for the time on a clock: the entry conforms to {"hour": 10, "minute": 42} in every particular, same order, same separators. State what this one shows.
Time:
{"hour": 11, "minute": 49}
